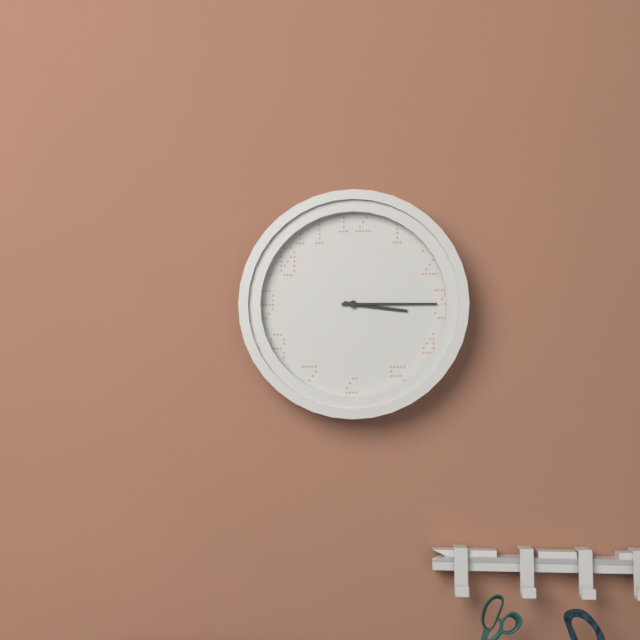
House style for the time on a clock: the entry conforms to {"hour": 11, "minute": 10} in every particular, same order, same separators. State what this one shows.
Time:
{"hour": 3, "minute": 15}
